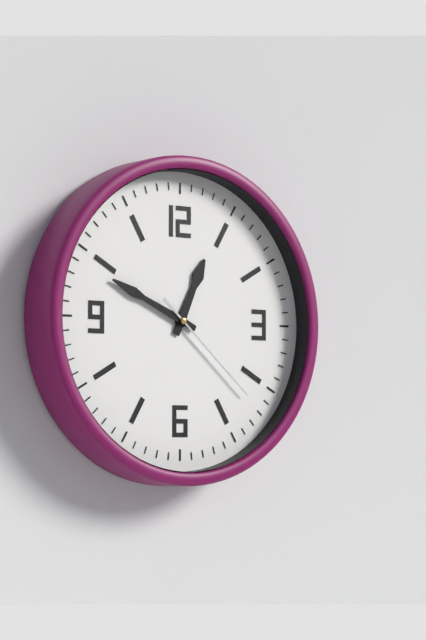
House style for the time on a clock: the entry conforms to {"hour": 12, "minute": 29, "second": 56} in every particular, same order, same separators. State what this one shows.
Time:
{"hour": 12, "minute": 49, "second": 22}
